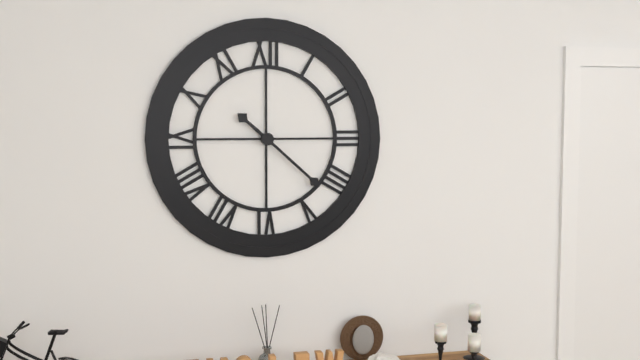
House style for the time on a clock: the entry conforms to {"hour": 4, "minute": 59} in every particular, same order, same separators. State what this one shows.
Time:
{"hour": 10, "minute": 22}
